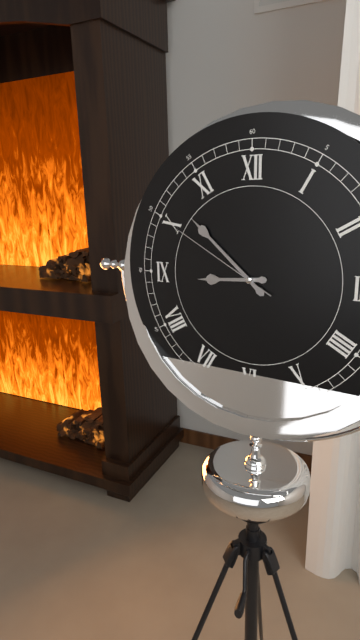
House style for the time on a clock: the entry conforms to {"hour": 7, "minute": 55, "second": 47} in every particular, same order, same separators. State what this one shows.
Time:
{"hour": 8, "minute": 52, "second": 50}
